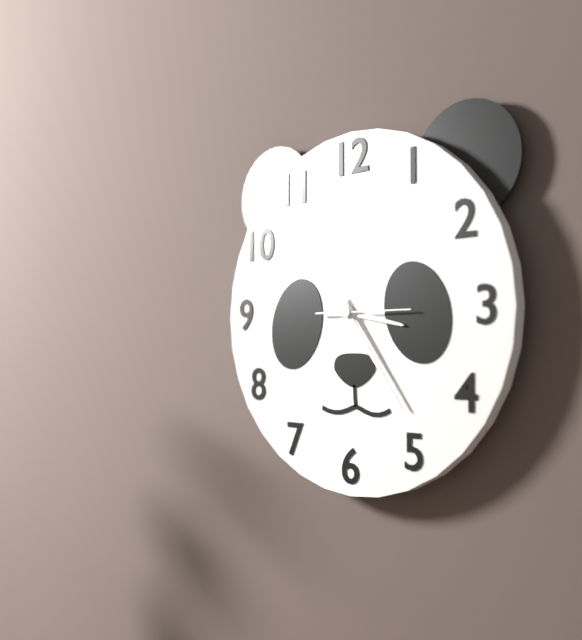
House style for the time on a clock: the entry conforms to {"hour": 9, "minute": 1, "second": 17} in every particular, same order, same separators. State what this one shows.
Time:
{"hour": 3, "minute": 24, "second": 15}
